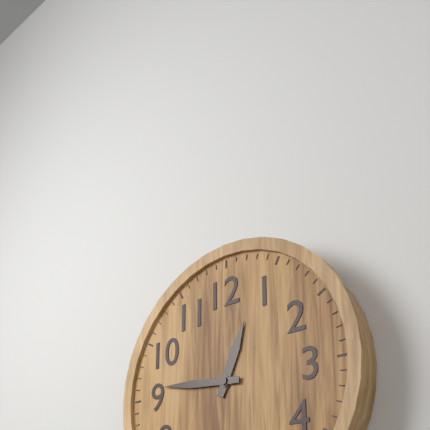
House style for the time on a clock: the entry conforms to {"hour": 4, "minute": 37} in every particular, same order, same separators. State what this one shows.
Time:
{"hour": 12, "minute": 46}
